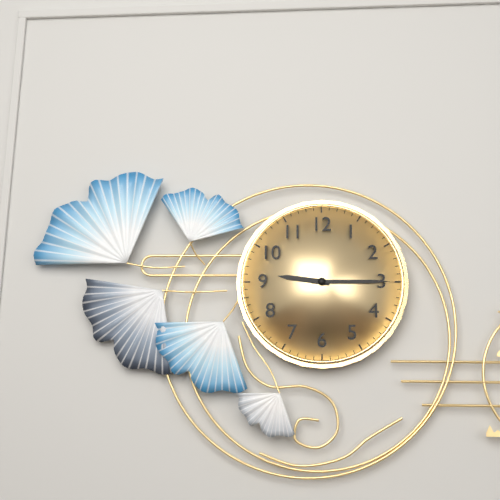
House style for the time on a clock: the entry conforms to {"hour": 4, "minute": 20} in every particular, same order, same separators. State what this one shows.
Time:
{"hour": 9, "minute": 15}
